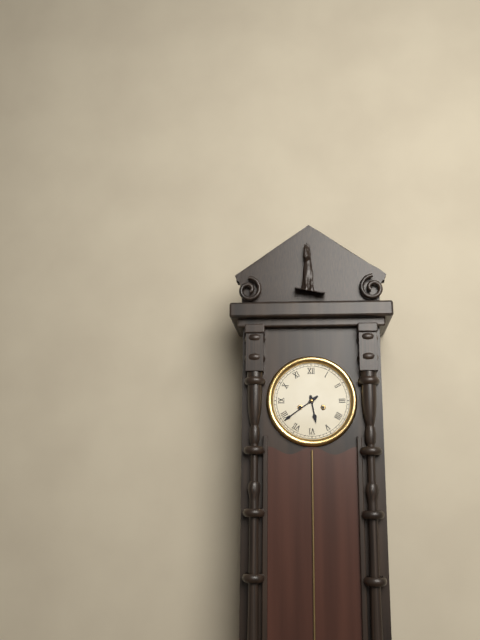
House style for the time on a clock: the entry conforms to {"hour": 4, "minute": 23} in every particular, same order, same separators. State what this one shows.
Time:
{"hour": 5, "minute": 39}
